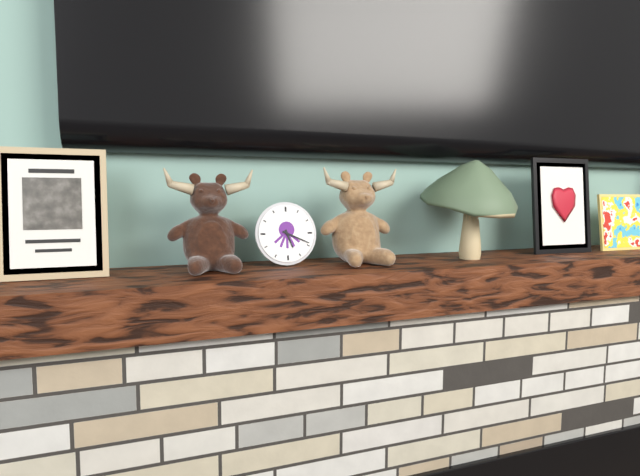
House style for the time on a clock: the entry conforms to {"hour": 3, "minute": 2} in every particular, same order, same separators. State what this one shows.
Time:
{"hour": 5, "minute": 19}
